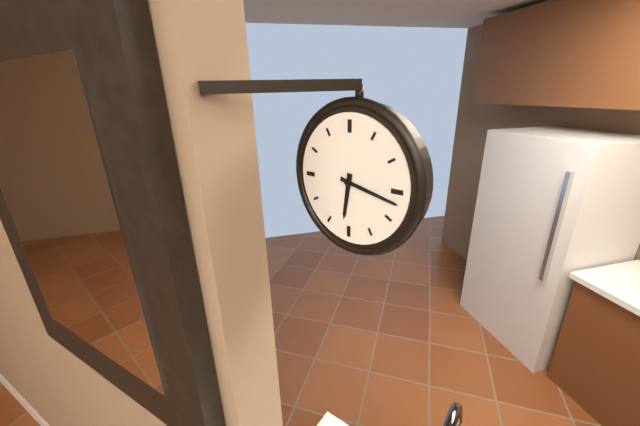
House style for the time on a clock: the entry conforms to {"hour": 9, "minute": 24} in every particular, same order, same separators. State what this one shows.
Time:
{"hour": 6, "minute": 17}
